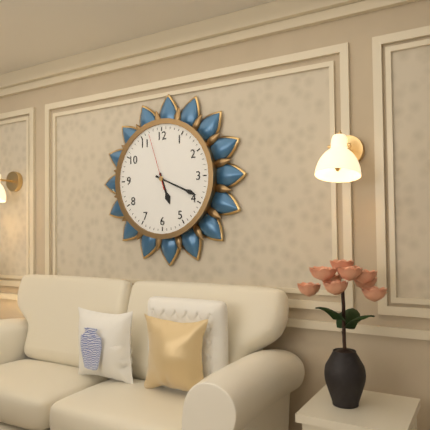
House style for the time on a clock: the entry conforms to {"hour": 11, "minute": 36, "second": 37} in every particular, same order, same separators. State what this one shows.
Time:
{"hour": 5, "minute": 19, "second": 57}
